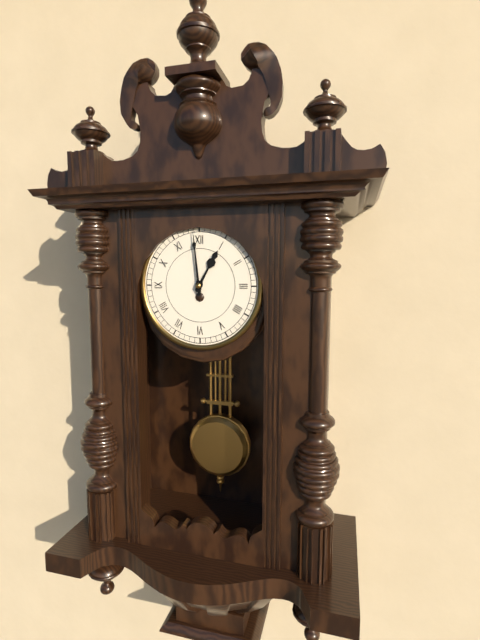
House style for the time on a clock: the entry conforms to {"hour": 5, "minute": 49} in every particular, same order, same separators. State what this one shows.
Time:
{"hour": 12, "minute": 59}
